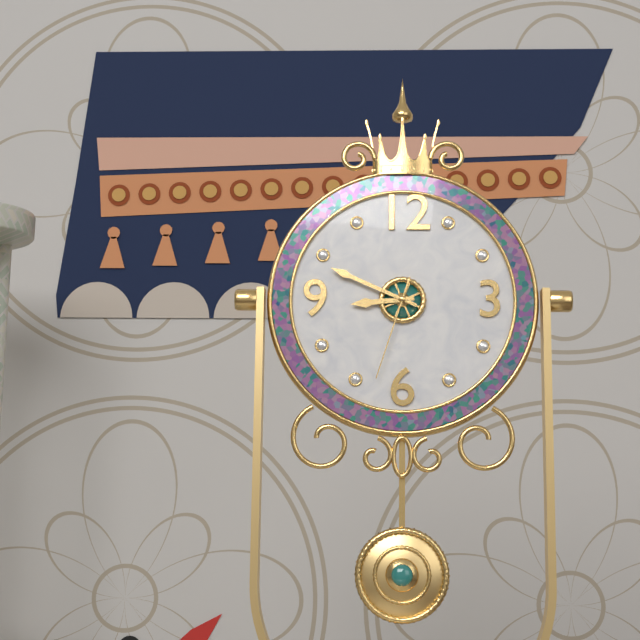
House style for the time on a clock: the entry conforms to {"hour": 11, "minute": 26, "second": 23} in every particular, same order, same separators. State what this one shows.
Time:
{"hour": 8, "minute": 49, "second": 33}
